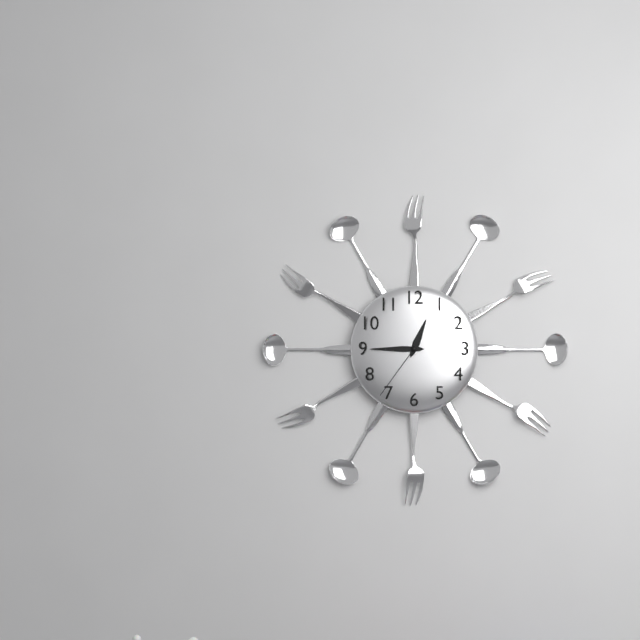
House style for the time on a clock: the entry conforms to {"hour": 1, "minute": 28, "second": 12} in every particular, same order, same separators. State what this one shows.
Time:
{"hour": 12, "minute": 45, "second": 36}
